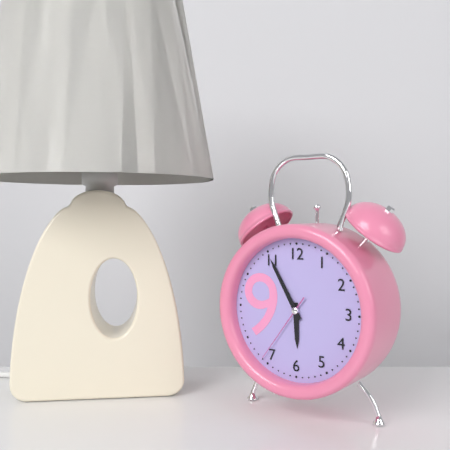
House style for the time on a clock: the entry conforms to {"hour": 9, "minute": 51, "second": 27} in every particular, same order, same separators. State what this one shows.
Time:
{"hour": 5, "minute": 55, "second": 36}
